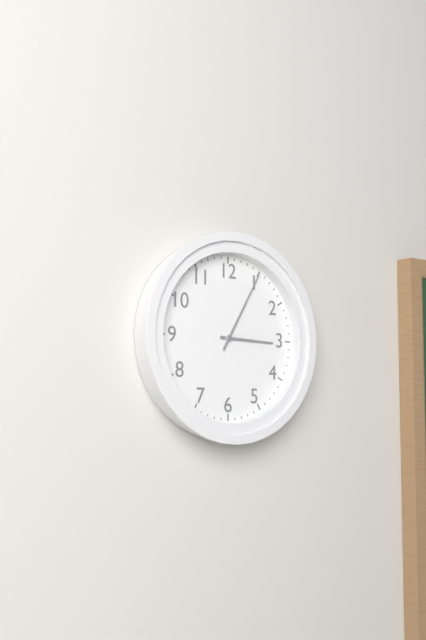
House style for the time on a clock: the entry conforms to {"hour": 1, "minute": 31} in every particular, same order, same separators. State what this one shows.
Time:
{"hour": 3, "minute": 5}
